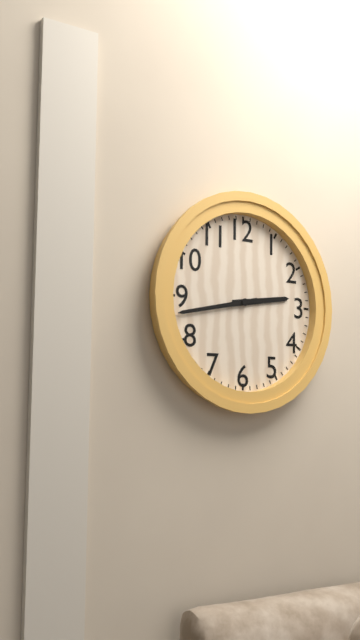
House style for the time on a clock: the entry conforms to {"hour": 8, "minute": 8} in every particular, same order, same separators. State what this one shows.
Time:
{"hour": 2, "minute": 43}
